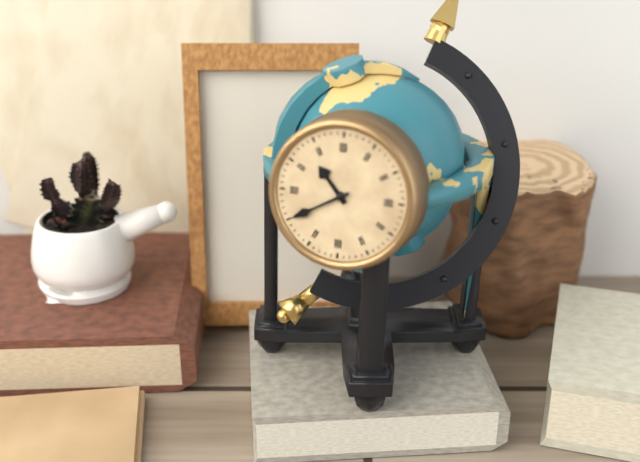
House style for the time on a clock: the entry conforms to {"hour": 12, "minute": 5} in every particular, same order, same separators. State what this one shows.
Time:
{"hour": 10, "minute": 40}
